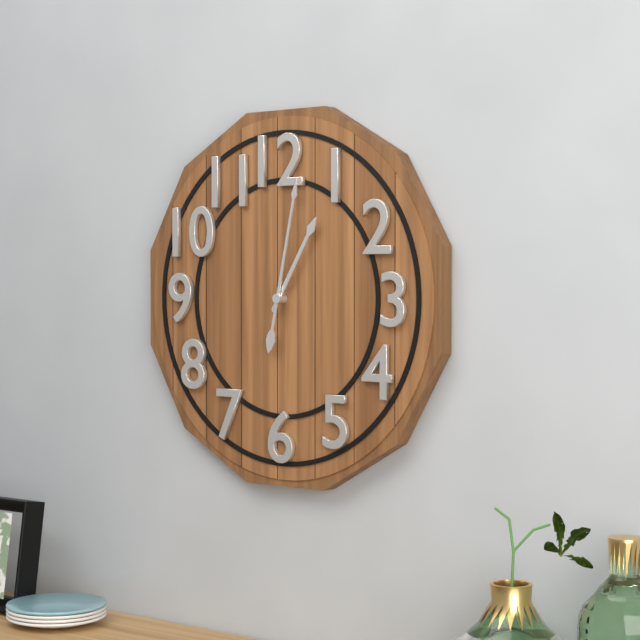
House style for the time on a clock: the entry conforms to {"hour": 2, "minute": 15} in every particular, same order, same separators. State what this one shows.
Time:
{"hour": 1, "minute": 2}
